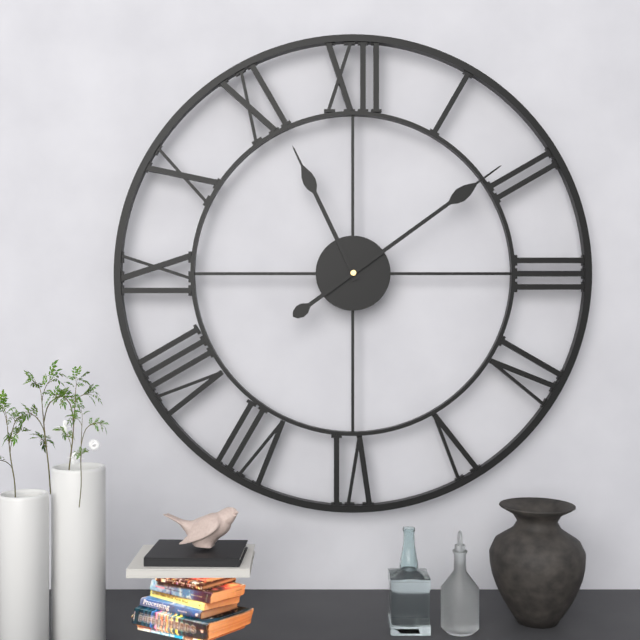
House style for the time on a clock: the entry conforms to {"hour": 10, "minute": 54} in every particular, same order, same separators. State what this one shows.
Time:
{"hour": 11, "minute": 9}
